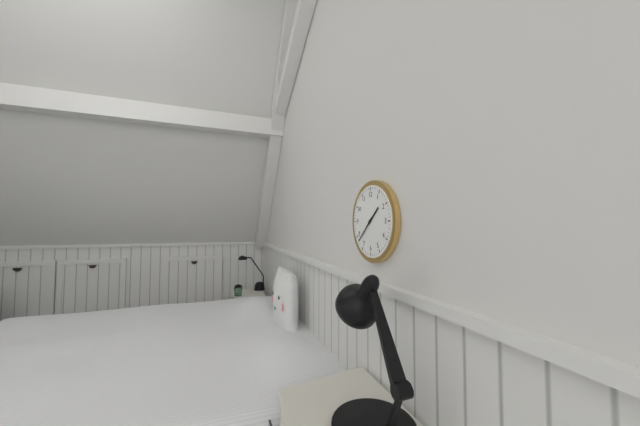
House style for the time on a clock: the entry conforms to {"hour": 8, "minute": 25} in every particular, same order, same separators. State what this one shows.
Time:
{"hour": 1, "minute": 38}
